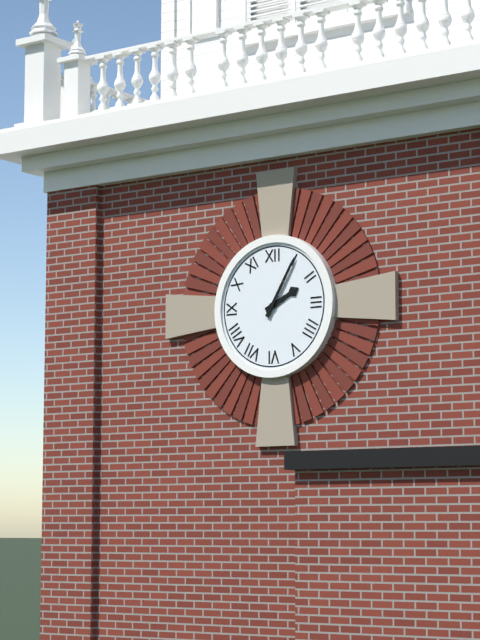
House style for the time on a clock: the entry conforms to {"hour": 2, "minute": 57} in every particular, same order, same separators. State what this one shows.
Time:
{"hour": 2, "minute": 5}
